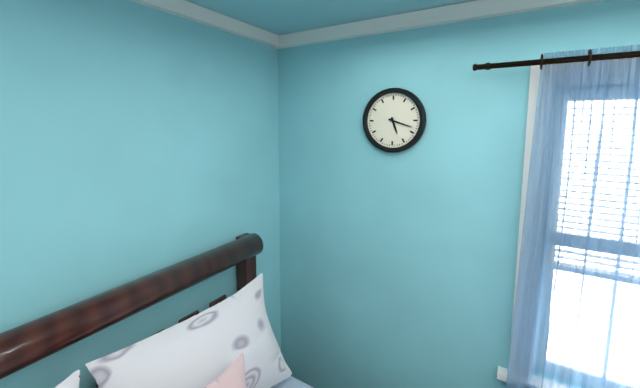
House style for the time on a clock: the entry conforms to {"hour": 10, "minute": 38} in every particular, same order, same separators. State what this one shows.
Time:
{"hour": 5, "minute": 18}
